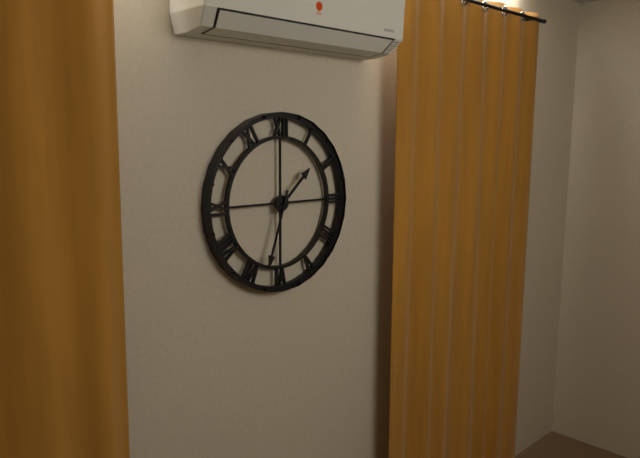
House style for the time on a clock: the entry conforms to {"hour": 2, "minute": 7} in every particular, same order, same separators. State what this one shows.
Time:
{"hour": 1, "minute": 33}
